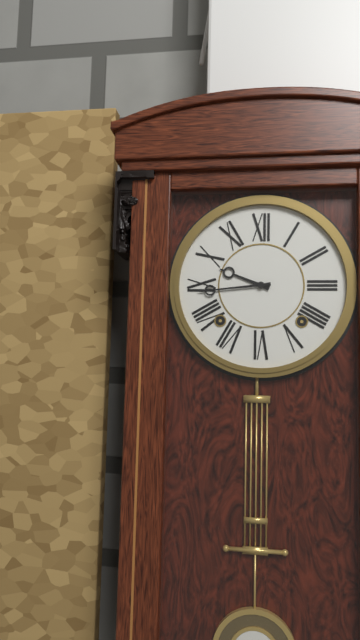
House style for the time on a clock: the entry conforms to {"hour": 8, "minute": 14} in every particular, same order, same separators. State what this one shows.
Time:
{"hour": 9, "minute": 44}
